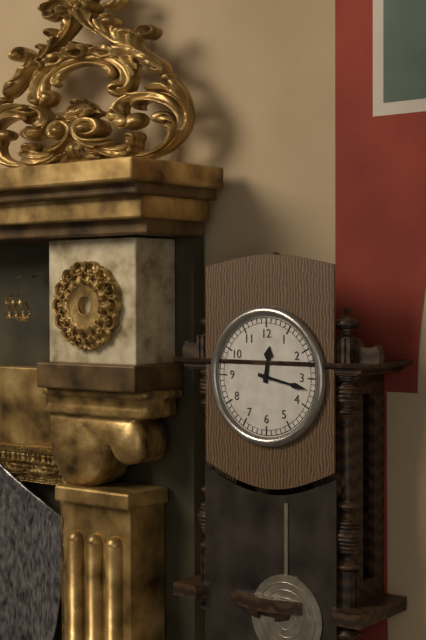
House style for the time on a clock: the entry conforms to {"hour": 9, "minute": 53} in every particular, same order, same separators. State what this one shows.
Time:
{"hour": 12, "minute": 17}
